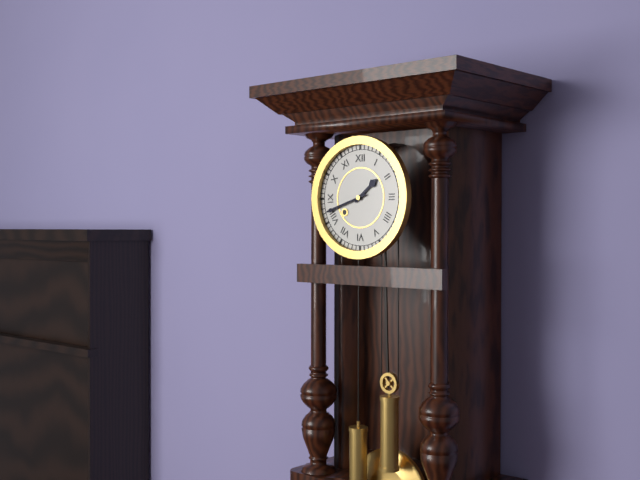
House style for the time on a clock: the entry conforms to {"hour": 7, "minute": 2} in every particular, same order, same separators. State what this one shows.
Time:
{"hour": 1, "minute": 42}
